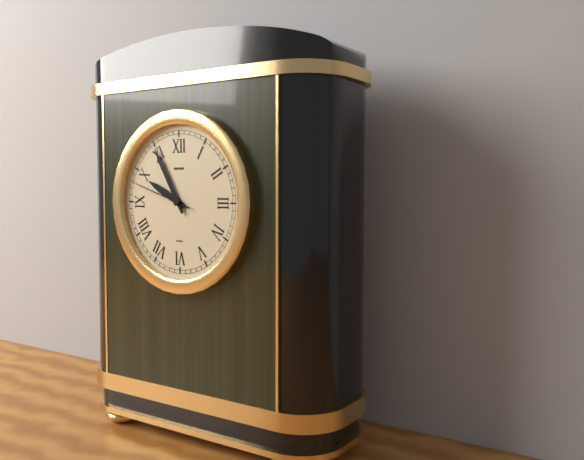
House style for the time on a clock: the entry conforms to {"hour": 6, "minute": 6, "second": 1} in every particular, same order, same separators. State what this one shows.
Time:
{"hour": 9, "minute": 55, "second": 48}
